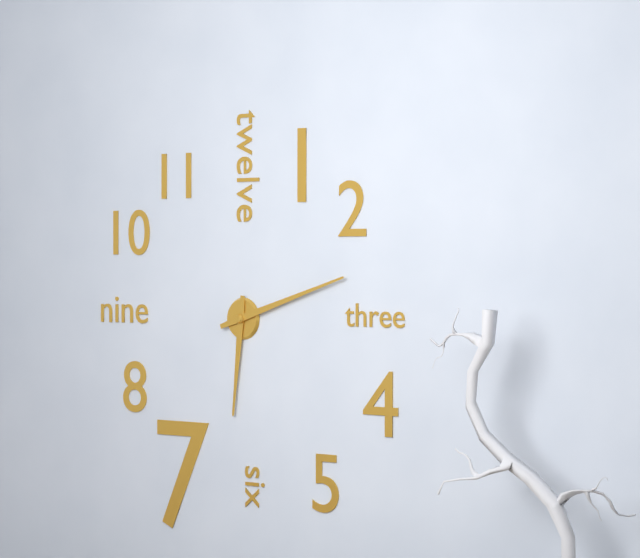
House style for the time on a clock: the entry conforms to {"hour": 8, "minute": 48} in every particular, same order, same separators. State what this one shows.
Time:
{"hour": 6, "minute": 12}
